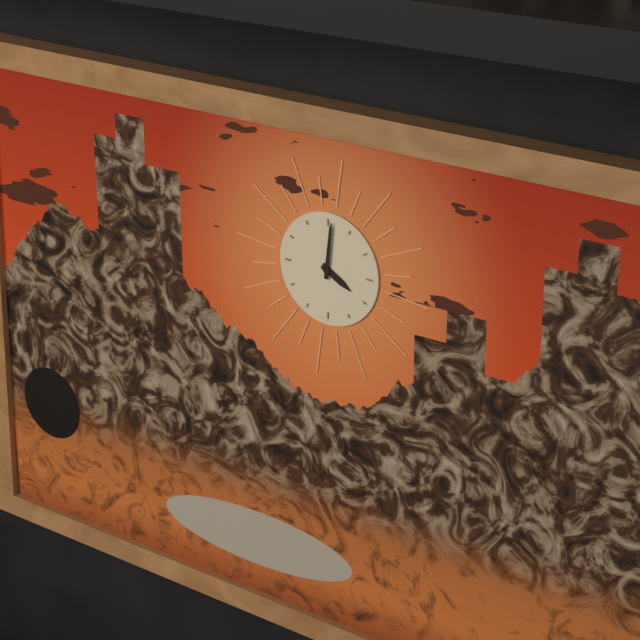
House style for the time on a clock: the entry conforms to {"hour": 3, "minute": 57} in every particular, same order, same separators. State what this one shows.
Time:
{"hour": 4, "minute": 1}
